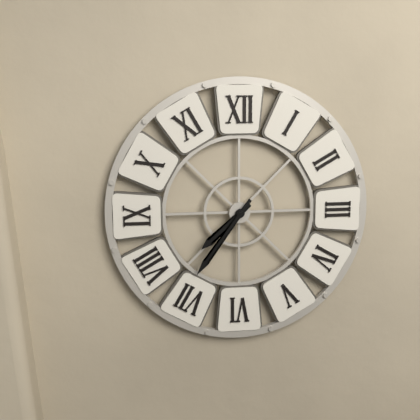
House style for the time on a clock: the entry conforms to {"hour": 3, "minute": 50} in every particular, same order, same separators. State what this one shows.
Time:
{"hour": 7, "minute": 36}
